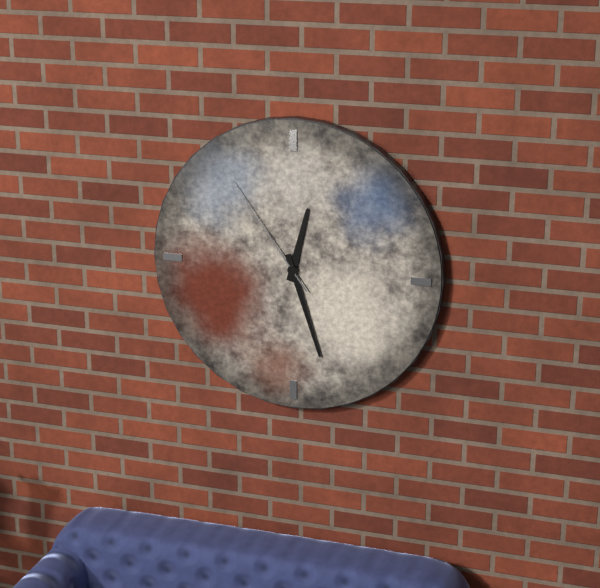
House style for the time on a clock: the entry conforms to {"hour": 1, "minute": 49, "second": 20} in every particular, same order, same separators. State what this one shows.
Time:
{"hour": 12, "minute": 27, "second": 54}
